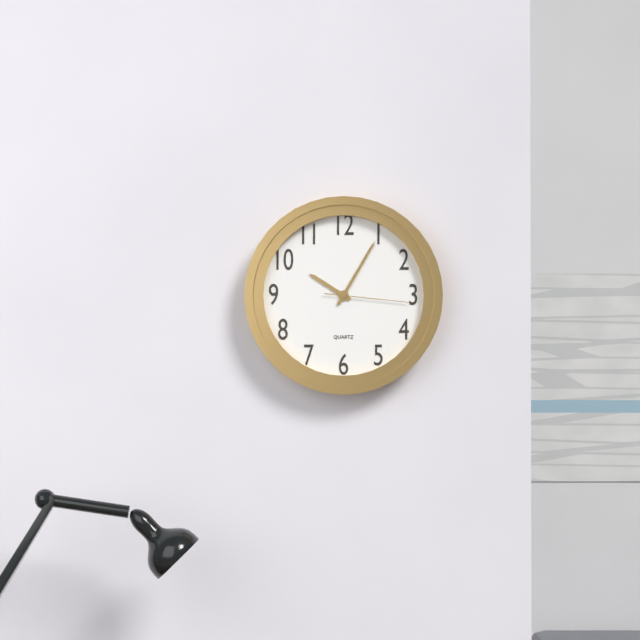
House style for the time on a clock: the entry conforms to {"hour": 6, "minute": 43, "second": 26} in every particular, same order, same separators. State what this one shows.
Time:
{"hour": 10, "minute": 5, "second": 16}
